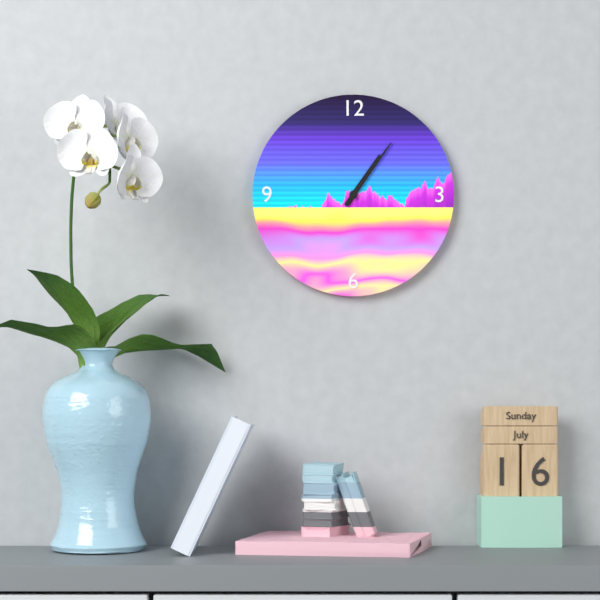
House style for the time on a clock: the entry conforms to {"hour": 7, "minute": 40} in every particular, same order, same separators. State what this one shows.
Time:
{"hour": 1, "minute": 6}
